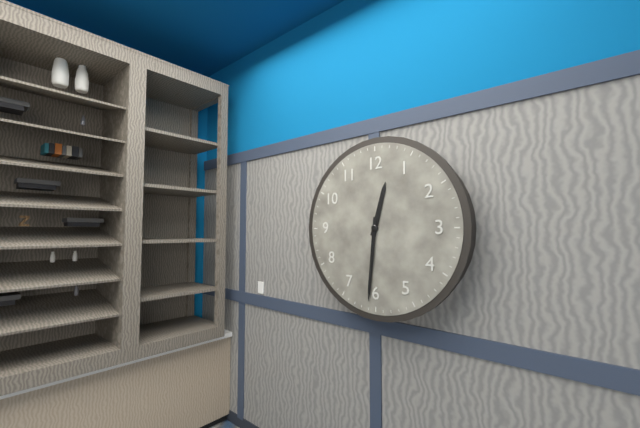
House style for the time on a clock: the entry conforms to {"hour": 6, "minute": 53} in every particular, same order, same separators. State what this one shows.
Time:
{"hour": 12, "minute": 31}
